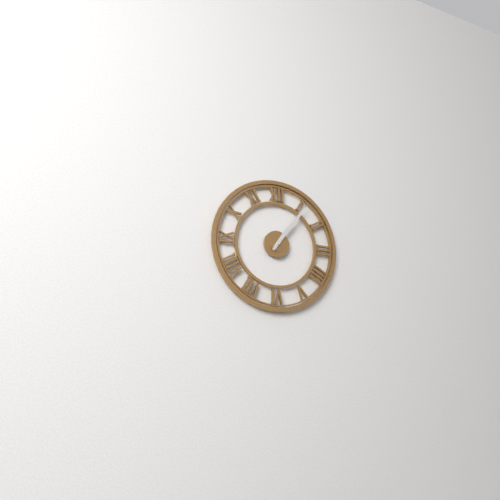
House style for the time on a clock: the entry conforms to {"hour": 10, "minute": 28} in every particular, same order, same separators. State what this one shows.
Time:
{"hour": 1, "minute": 6}
